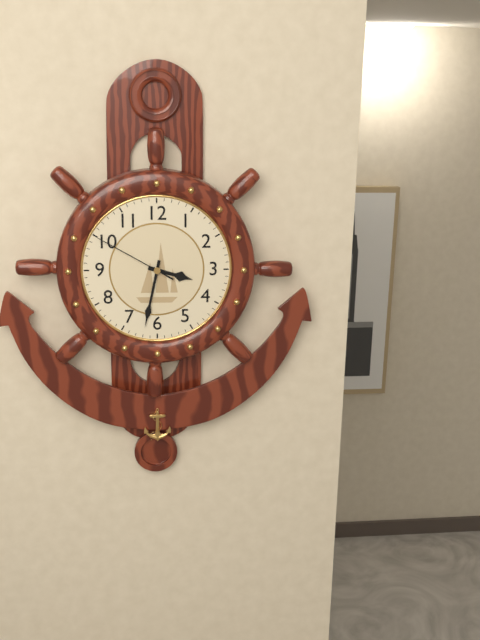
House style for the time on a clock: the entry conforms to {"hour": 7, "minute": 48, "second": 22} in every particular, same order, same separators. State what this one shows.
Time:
{"hour": 3, "minute": 32, "second": 50}
